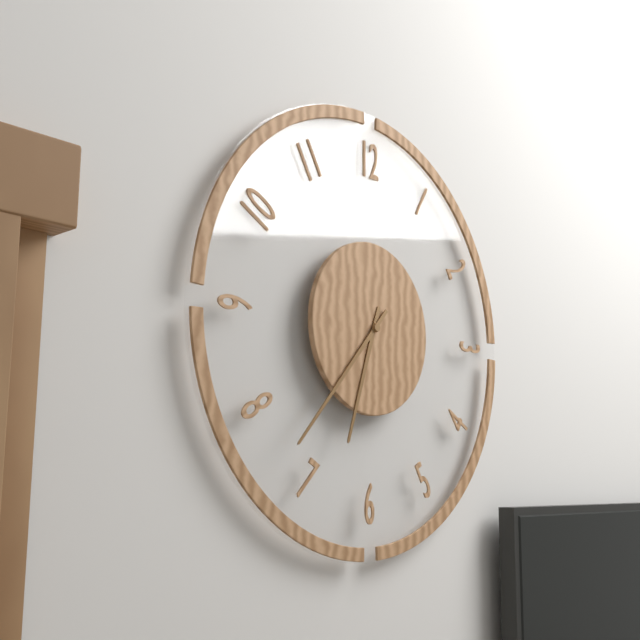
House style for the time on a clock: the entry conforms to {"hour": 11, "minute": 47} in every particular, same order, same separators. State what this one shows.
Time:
{"hour": 6, "minute": 37}
